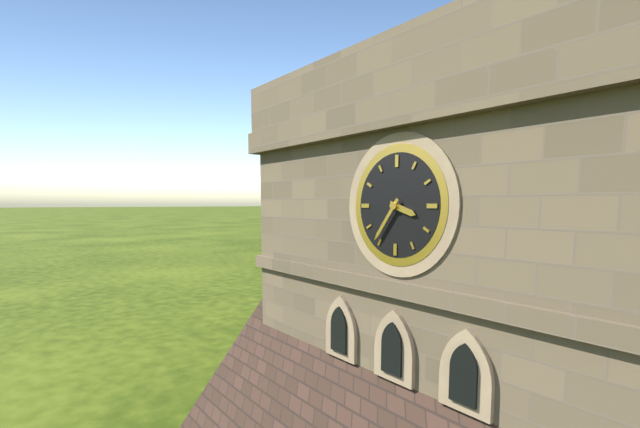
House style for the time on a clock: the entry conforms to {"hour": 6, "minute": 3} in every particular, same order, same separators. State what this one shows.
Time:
{"hour": 3, "minute": 36}
